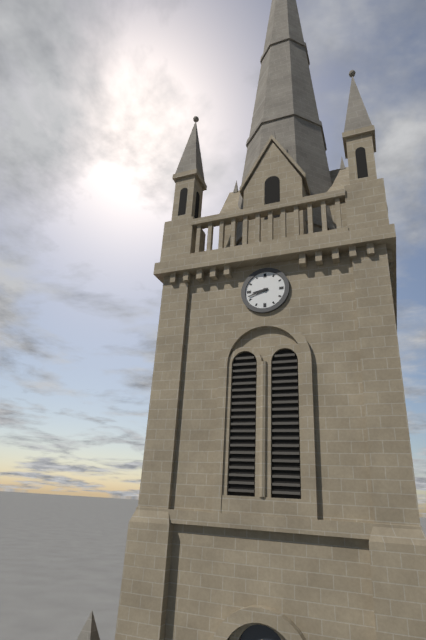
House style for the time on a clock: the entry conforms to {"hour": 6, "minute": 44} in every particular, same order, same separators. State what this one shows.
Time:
{"hour": 8, "minute": 42}
